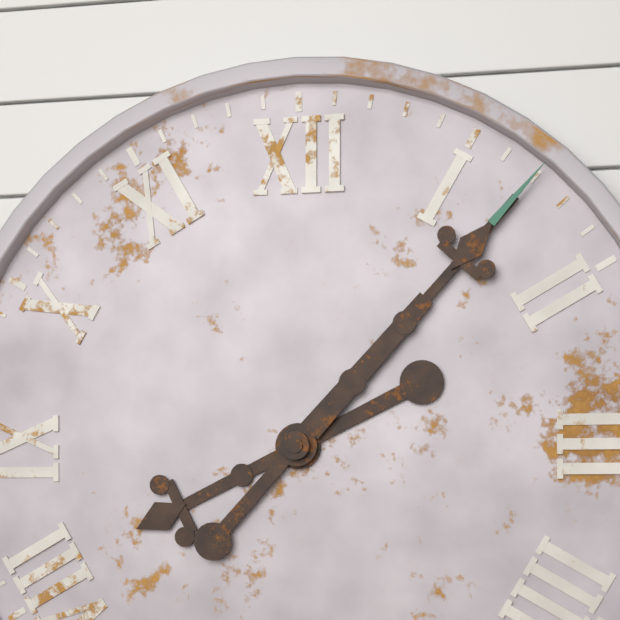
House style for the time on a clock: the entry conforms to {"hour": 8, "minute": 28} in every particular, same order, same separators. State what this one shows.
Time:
{"hour": 8, "minute": 7}
